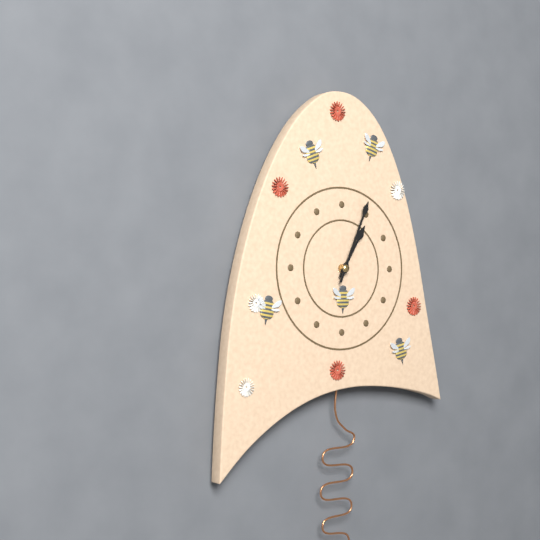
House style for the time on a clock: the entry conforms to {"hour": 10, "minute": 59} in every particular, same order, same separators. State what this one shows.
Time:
{"hour": 1, "minute": 4}
